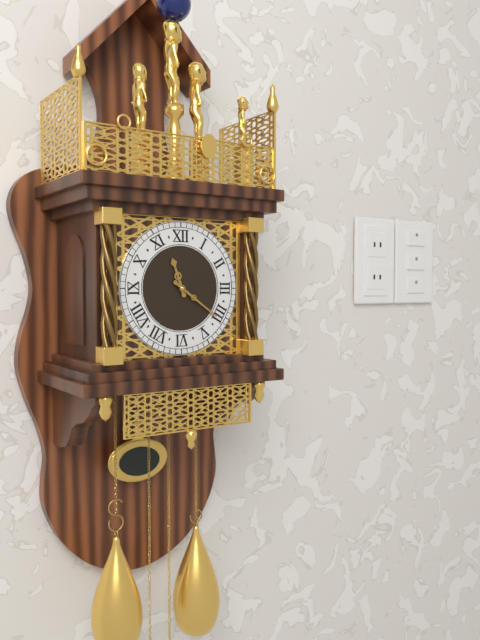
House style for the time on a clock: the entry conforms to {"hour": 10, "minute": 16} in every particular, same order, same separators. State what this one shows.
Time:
{"hour": 11, "minute": 21}
